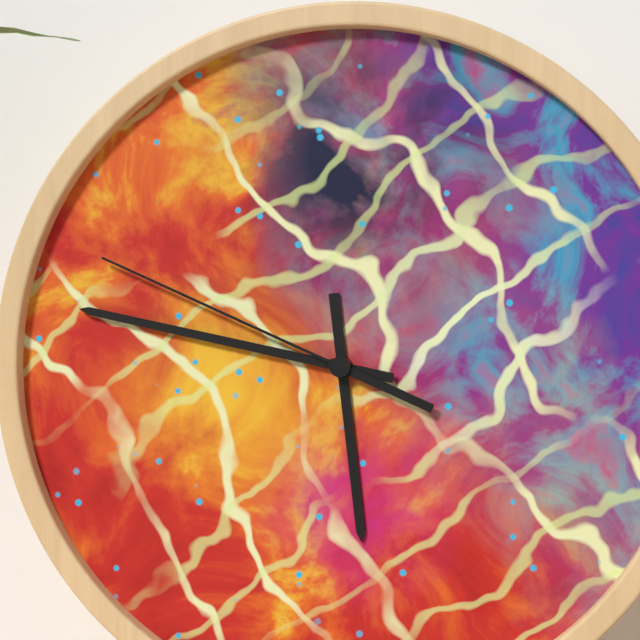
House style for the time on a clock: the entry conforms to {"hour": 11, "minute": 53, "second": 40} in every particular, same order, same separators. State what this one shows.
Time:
{"hour": 5, "minute": 47, "second": 49}
